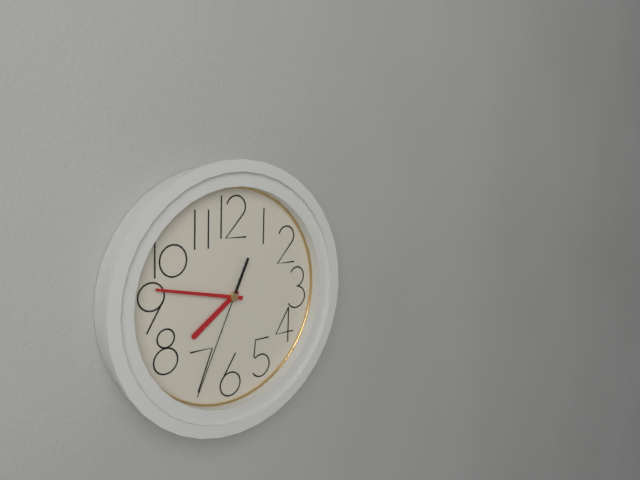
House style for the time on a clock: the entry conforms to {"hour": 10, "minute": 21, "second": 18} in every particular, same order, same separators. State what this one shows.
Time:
{"hour": 7, "minute": 47, "second": 34}
